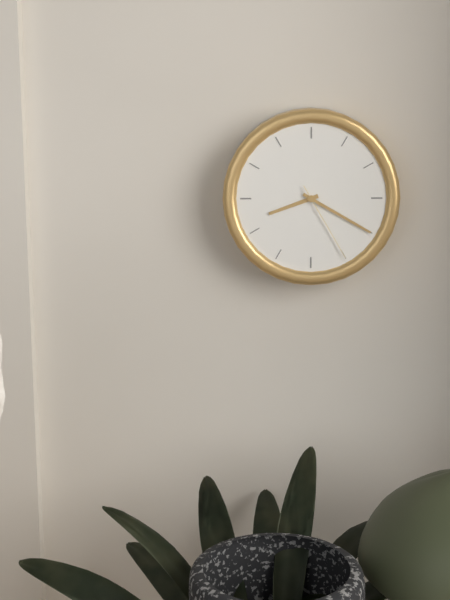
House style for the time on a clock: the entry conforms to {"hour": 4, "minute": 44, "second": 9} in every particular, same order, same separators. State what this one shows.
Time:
{"hour": 8, "minute": 20, "second": 25}
